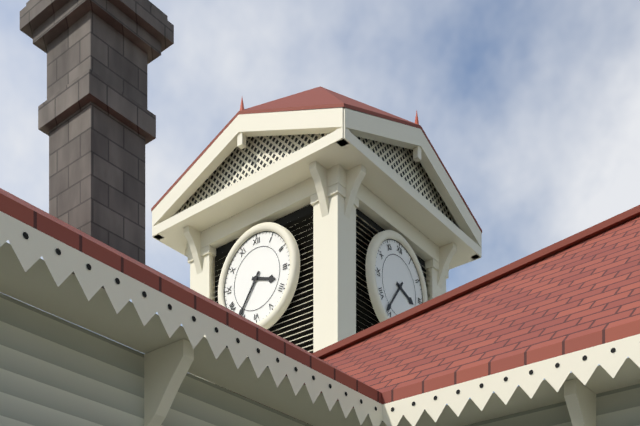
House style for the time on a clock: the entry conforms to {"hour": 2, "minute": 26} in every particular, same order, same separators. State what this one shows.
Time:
{"hour": 3, "minute": 36}
